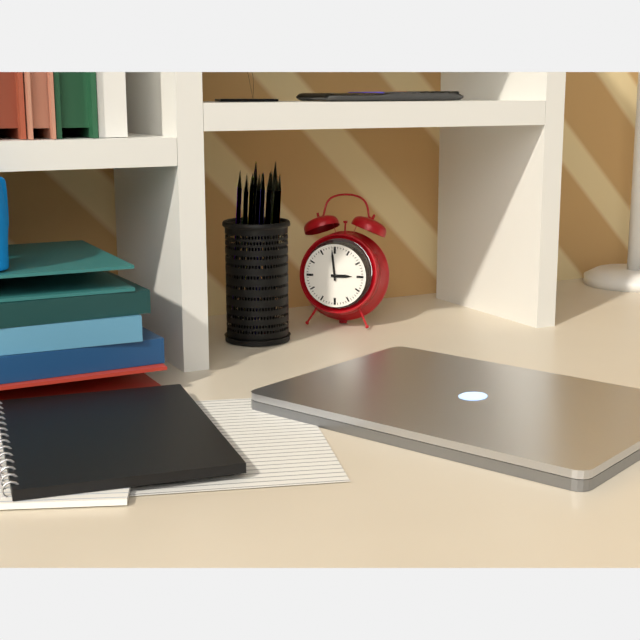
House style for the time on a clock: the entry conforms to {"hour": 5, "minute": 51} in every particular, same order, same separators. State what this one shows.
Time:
{"hour": 2, "minute": 59}
